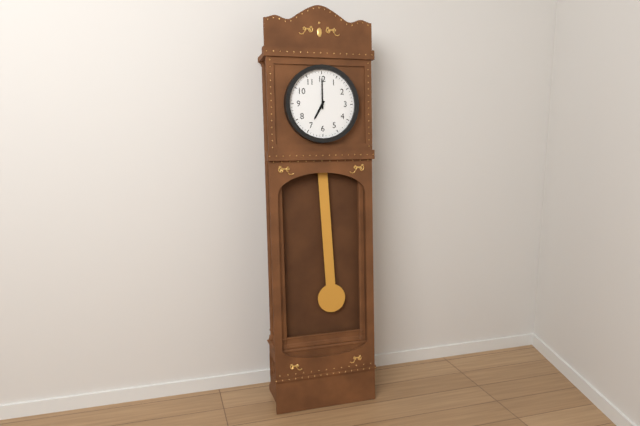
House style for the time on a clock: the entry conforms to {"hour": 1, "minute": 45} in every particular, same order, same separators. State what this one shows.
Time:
{"hour": 7, "minute": 0}
